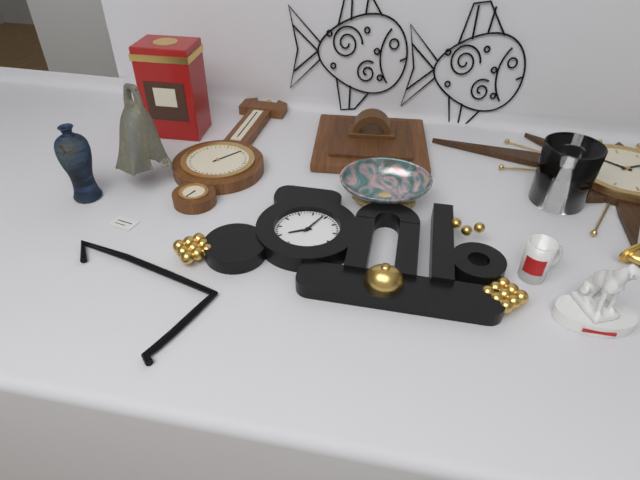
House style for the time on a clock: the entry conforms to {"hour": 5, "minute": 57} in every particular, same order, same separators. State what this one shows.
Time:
{"hour": 8, "minute": 4}
